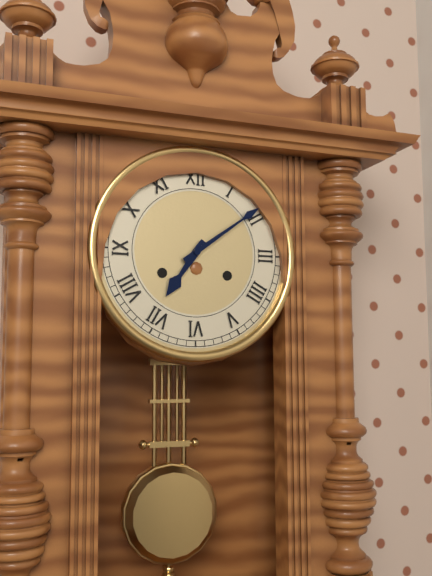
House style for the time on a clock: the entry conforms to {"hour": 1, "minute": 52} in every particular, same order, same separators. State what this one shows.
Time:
{"hour": 7, "minute": 9}
